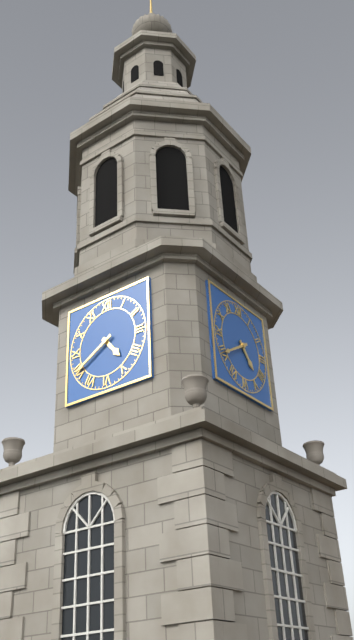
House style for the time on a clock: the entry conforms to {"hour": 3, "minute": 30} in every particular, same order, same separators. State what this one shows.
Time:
{"hour": 4, "minute": 40}
